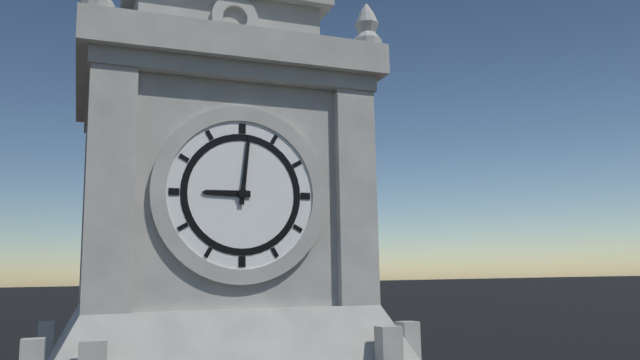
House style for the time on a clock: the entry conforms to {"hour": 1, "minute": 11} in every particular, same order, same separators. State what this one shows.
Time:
{"hour": 9, "minute": 1}
